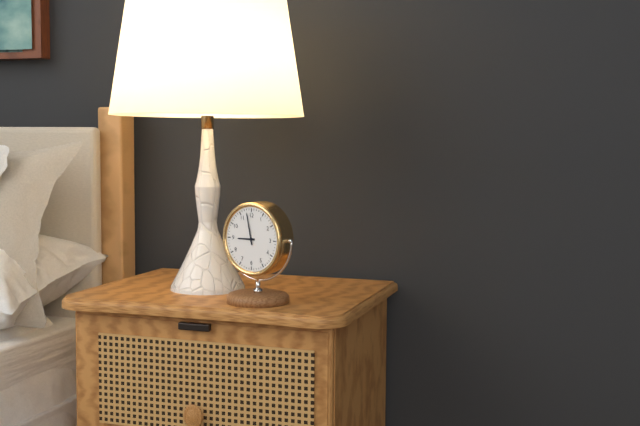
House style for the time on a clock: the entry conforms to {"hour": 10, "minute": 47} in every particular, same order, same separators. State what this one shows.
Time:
{"hour": 8, "minute": 58}
